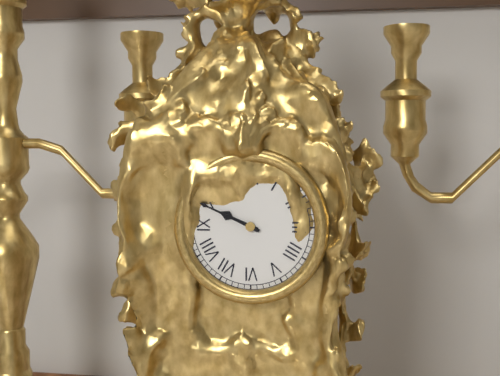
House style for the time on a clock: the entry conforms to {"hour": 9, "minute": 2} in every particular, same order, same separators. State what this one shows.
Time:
{"hour": 9, "minute": 49}
